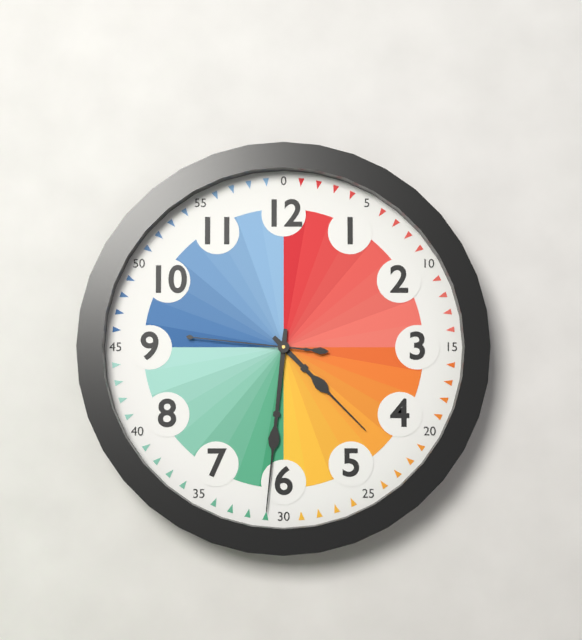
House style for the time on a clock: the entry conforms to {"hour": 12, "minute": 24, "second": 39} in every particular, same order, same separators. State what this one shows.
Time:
{"hour": 4, "minute": 31, "second": 46}
